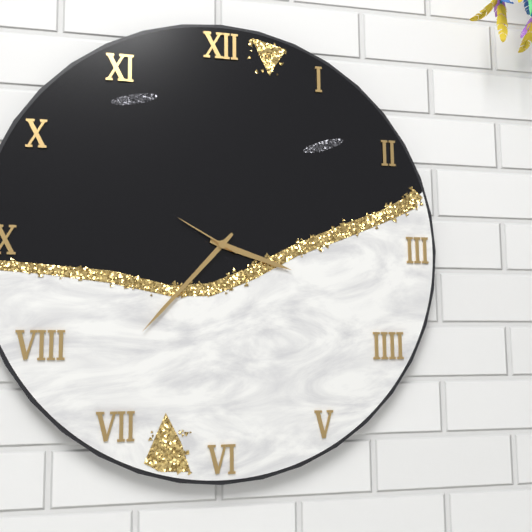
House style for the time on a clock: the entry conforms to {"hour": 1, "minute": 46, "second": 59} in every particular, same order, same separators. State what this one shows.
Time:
{"hour": 3, "minute": 37, "second": 50}
